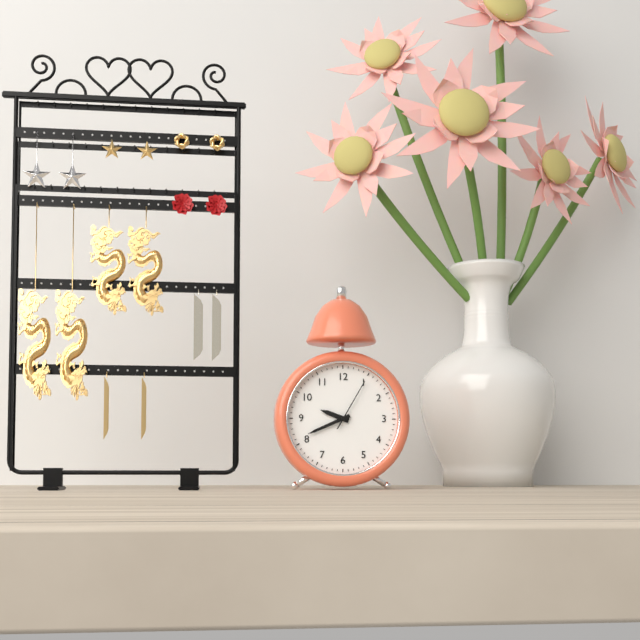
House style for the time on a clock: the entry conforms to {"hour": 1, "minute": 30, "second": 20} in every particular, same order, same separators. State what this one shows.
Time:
{"hour": 9, "minute": 41, "second": 5}
